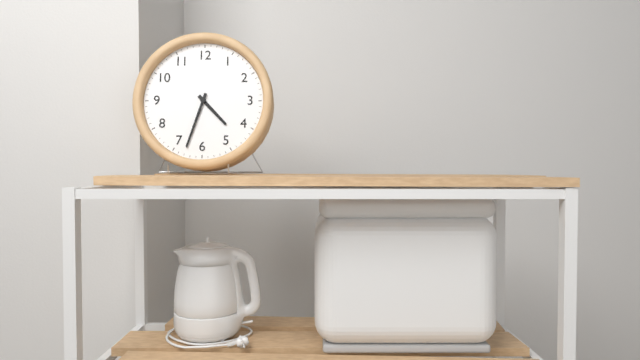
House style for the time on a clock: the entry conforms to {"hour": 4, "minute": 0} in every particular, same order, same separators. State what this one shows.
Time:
{"hour": 4, "minute": 33}
